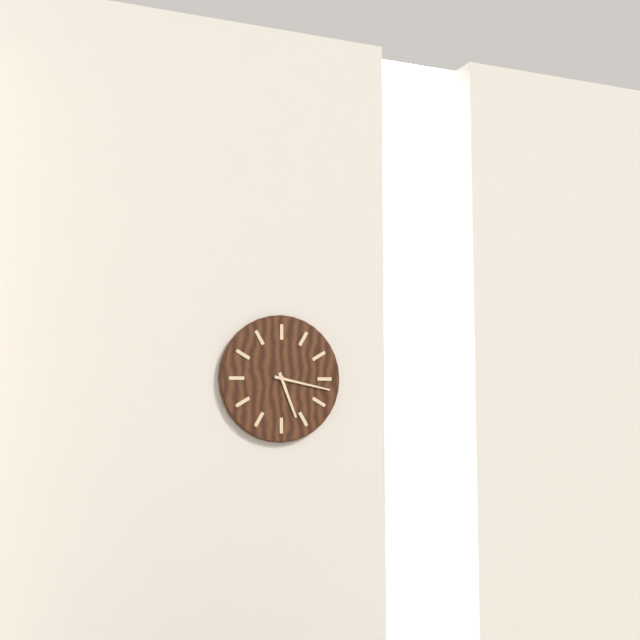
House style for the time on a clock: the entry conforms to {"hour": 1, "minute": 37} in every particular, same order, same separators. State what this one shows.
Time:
{"hour": 5, "minute": 17}
